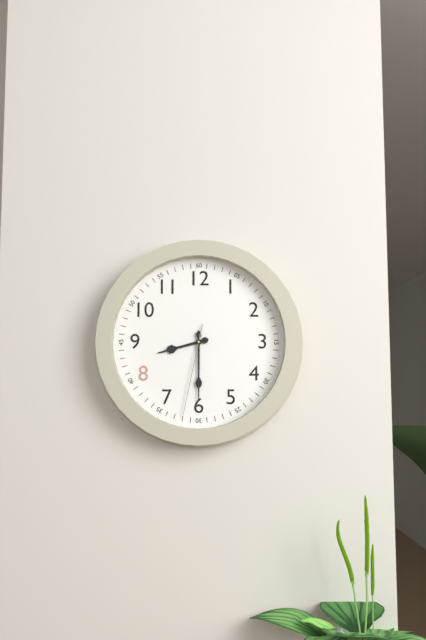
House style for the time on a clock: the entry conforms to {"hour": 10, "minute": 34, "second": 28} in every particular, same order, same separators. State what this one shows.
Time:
{"hour": 8, "minute": 30, "second": 32}
